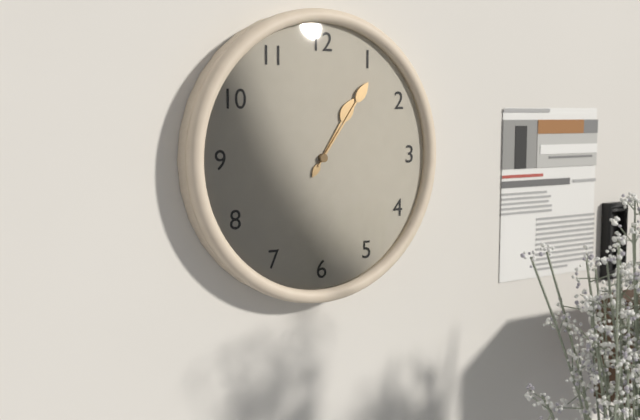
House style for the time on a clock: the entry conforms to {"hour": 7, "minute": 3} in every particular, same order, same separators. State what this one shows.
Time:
{"hour": 1, "minute": 6}
